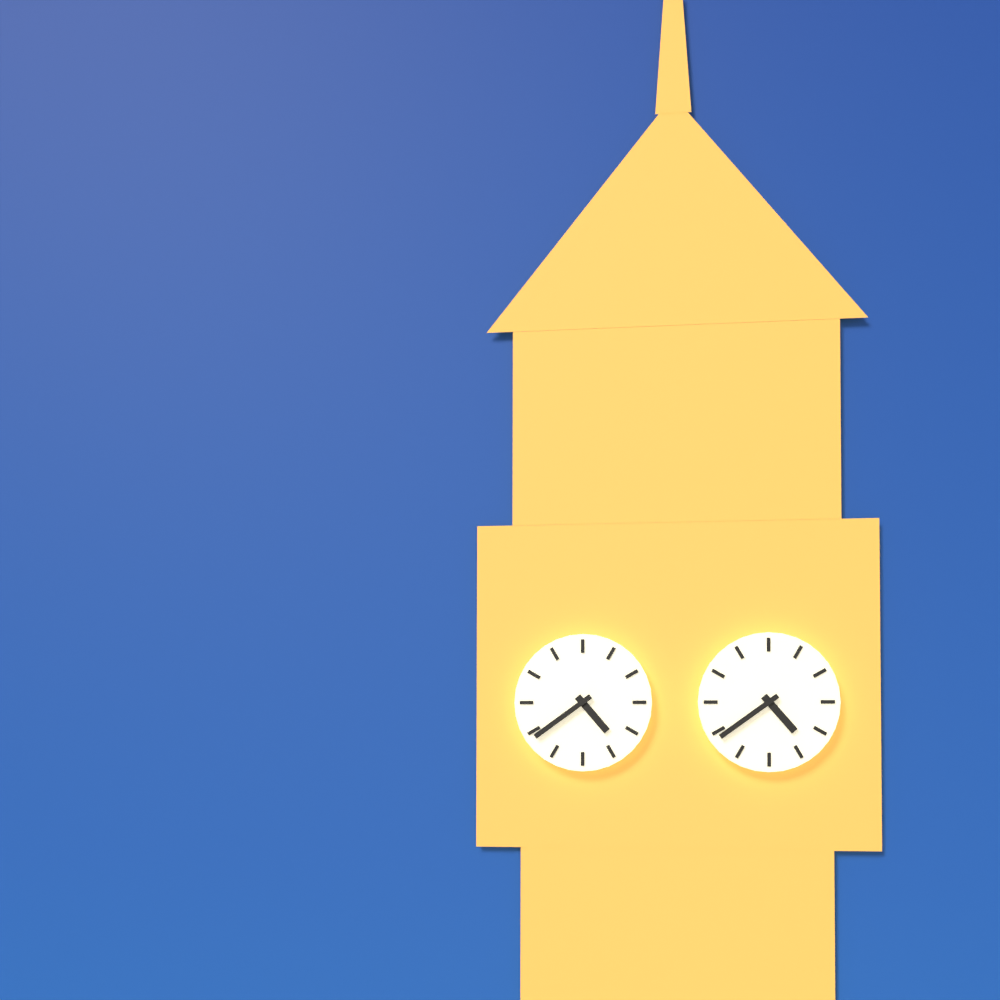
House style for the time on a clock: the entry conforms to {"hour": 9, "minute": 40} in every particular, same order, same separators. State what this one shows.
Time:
{"hour": 4, "minute": 39}
